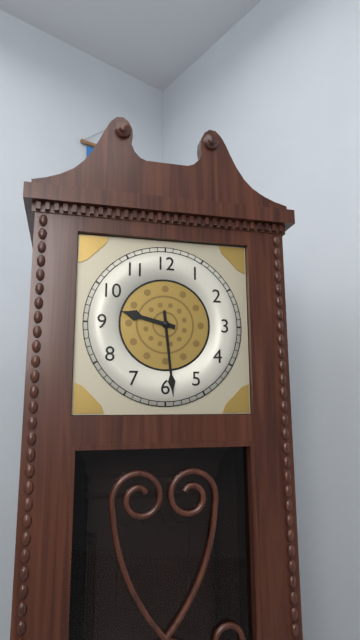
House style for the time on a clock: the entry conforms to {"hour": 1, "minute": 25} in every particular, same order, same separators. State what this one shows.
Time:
{"hour": 9, "minute": 29}
